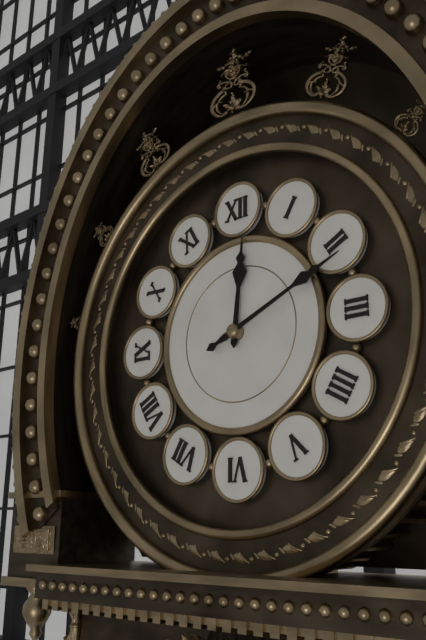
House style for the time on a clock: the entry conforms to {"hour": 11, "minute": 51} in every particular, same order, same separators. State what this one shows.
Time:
{"hour": 12, "minute": 11}
